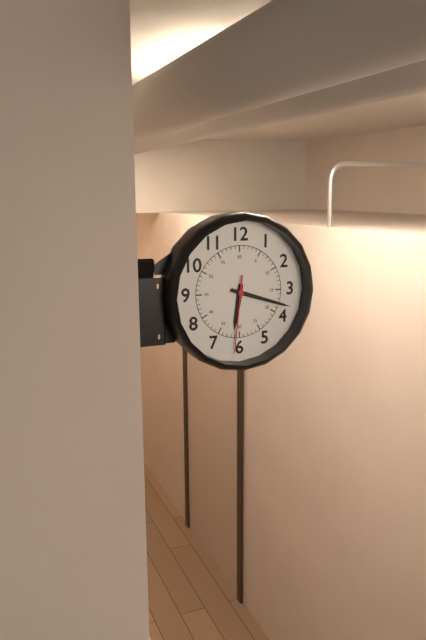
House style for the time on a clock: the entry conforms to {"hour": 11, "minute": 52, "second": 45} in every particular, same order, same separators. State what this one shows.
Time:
{"hour": 6, "minute": 18, "second": 31}
